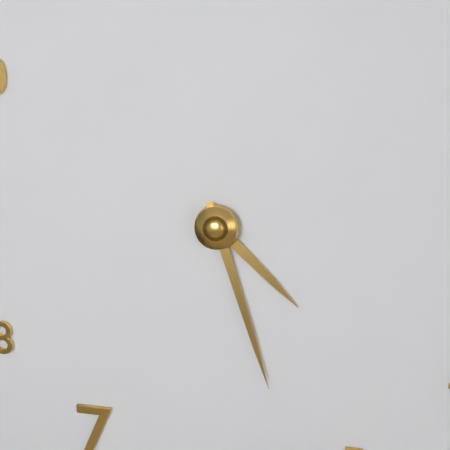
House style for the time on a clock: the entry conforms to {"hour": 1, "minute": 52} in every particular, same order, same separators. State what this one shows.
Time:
{"hour": 4, "minute": 27}
